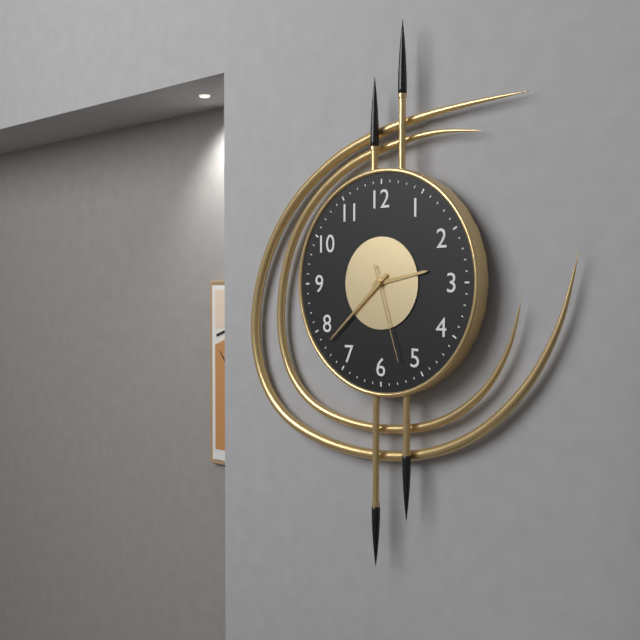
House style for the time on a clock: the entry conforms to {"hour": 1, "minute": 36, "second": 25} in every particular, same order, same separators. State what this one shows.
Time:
{"hour": 2, "minute": 38, "second": 27}
